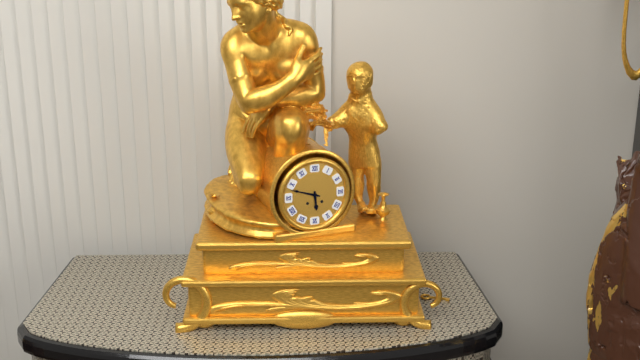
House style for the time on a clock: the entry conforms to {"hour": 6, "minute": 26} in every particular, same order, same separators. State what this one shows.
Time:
{"hour": 5, "minute": 48}
